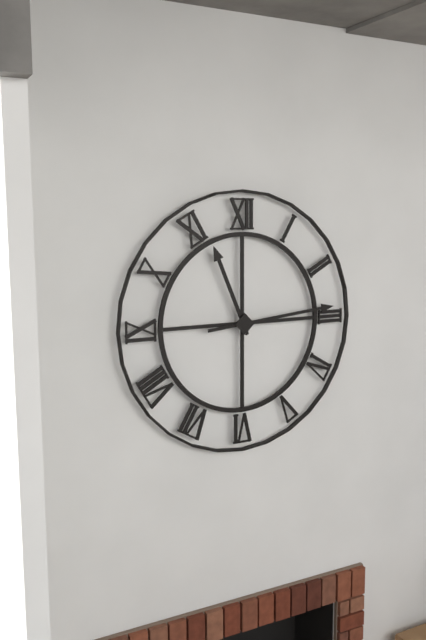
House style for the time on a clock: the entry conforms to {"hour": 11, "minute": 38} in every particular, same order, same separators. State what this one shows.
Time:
{"hour": 11, "minute": 14}
